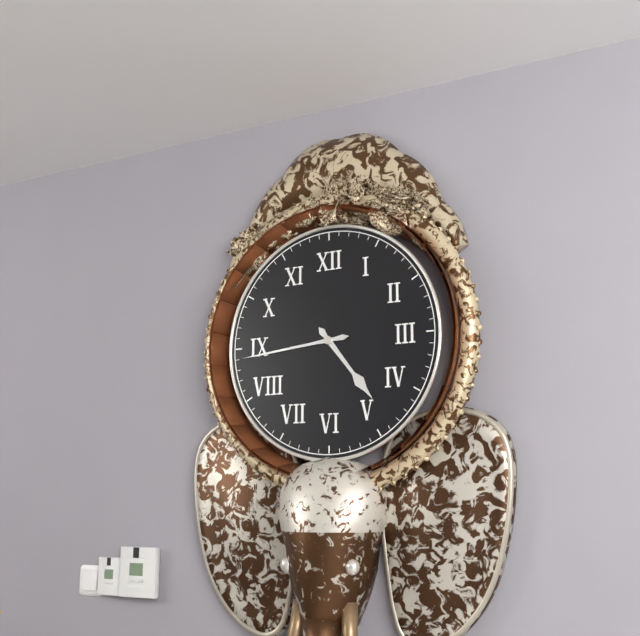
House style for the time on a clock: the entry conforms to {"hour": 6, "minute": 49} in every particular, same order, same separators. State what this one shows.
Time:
{"hour": 4, "minute": 44}
